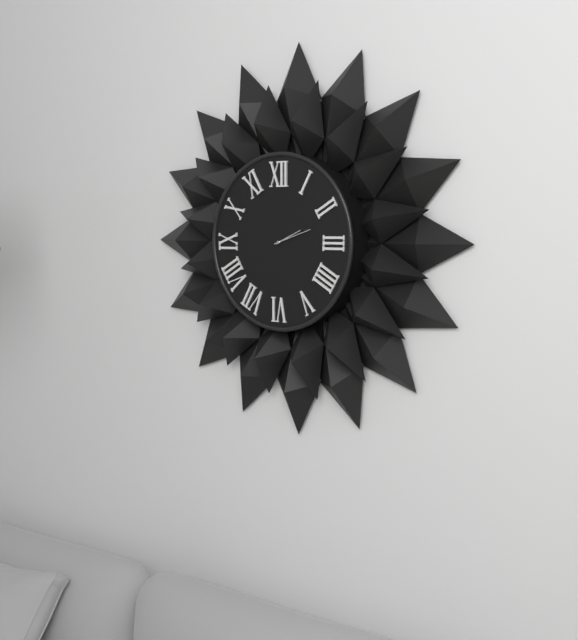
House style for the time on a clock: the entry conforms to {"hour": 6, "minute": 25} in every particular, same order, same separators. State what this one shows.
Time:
{"hour": 2, "minute": 12}
